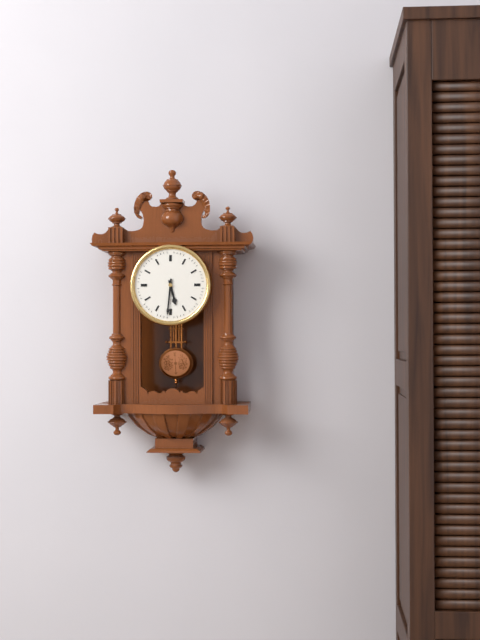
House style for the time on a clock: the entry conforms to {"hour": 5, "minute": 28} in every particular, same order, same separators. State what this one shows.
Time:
{"hour": 5, "minute": 31}
